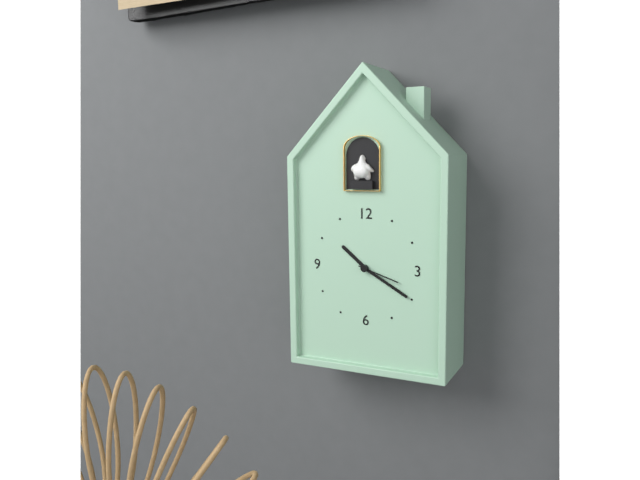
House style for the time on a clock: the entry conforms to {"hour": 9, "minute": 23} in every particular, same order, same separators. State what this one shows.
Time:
{"hour": 10, "minute": 20}
